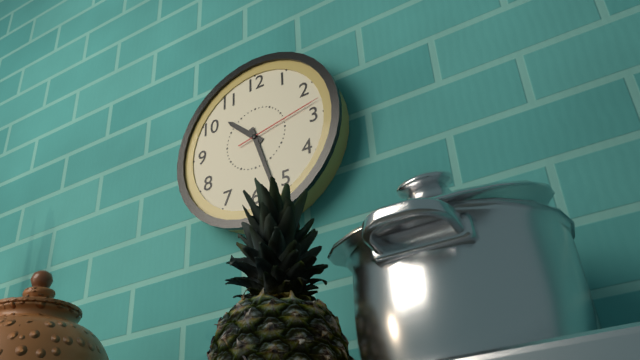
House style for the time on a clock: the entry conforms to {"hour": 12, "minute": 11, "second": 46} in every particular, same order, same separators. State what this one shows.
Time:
{"hour": 10, "minute": 27, "second": 13}
